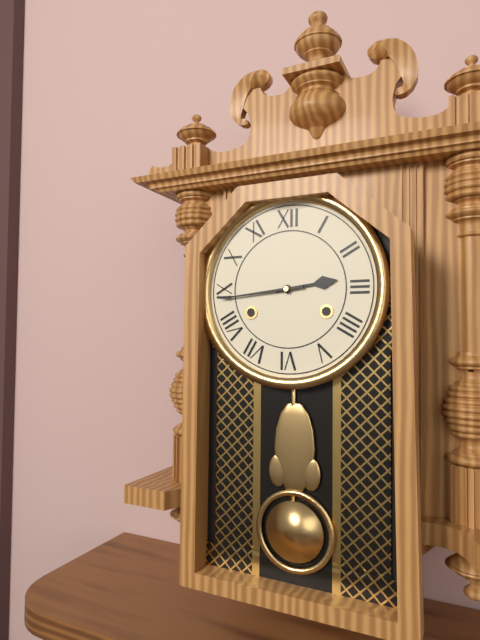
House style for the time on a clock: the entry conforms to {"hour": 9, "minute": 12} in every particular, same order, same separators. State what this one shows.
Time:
{"hour": 2, "minute": 44}
